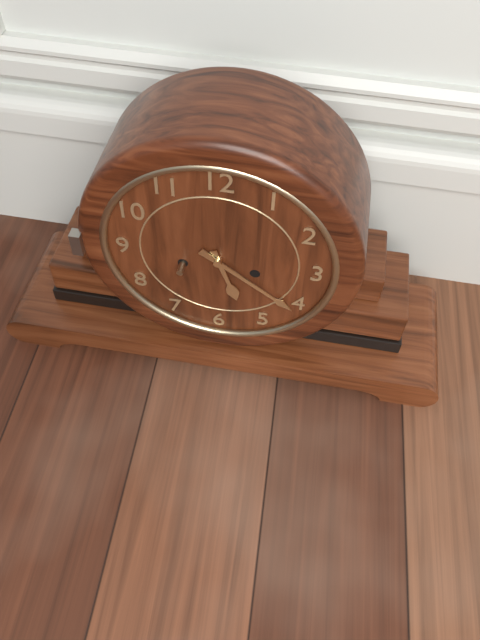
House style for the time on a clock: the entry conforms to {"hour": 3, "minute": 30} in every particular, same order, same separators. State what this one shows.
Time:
{"hour": 5, "minute": 21}
